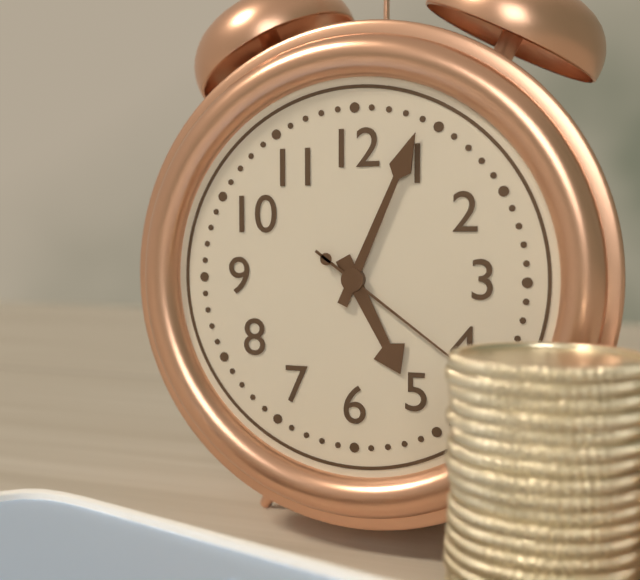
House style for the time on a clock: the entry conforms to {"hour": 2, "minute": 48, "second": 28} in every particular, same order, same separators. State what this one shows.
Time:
{"hour": 5, "minute": 4, "second": 21}
